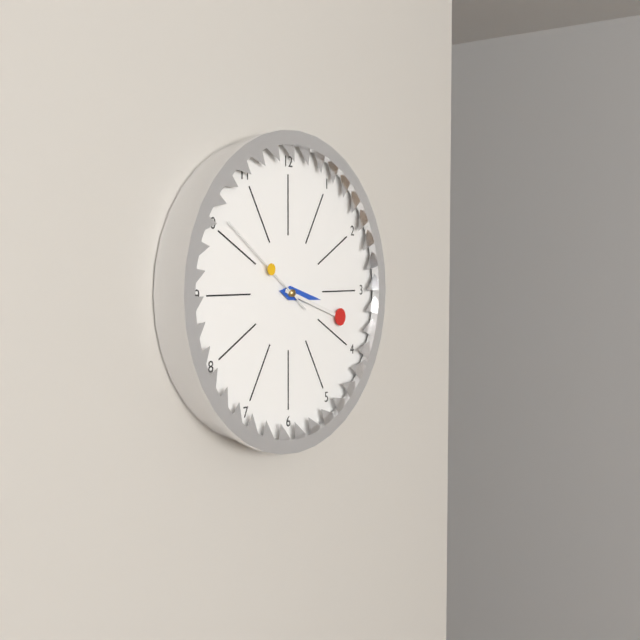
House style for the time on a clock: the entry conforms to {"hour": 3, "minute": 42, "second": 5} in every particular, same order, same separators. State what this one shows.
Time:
{"hour": 3, "minute": 18, "second": 51}
